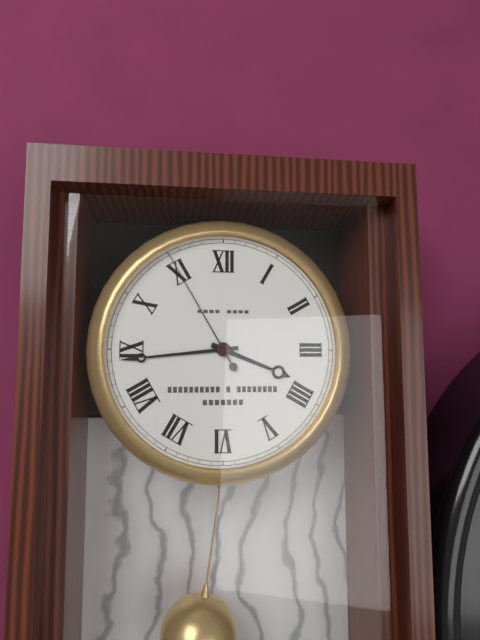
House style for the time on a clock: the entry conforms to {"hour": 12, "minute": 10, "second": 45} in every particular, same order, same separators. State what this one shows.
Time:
{"hour": 3, "minute": 44, "second": 55}
